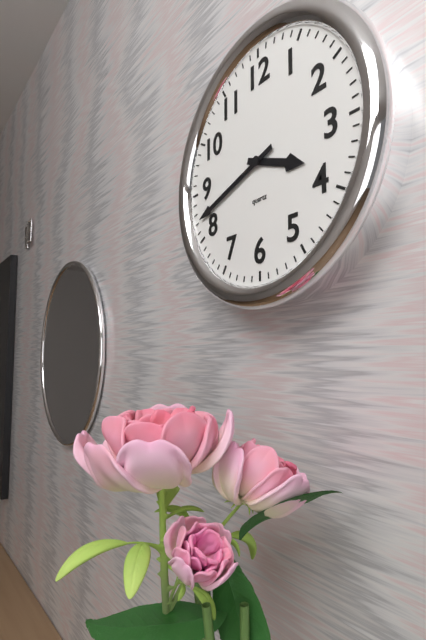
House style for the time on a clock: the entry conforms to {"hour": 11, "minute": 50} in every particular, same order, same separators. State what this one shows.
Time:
{"hour": 3, "minute": 42}
